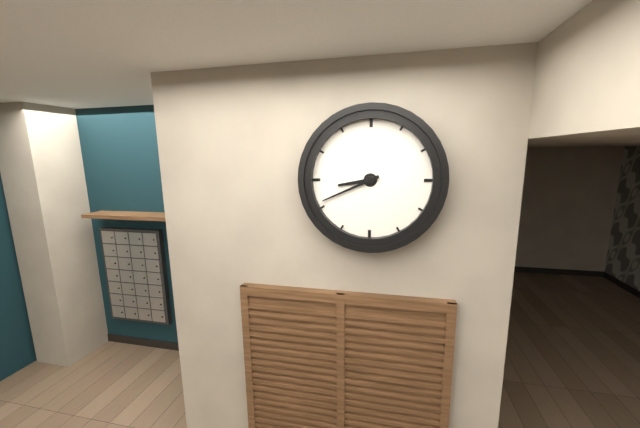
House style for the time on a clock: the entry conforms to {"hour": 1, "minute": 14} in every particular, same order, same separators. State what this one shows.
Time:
{"hour": 8, "minute": 41}
